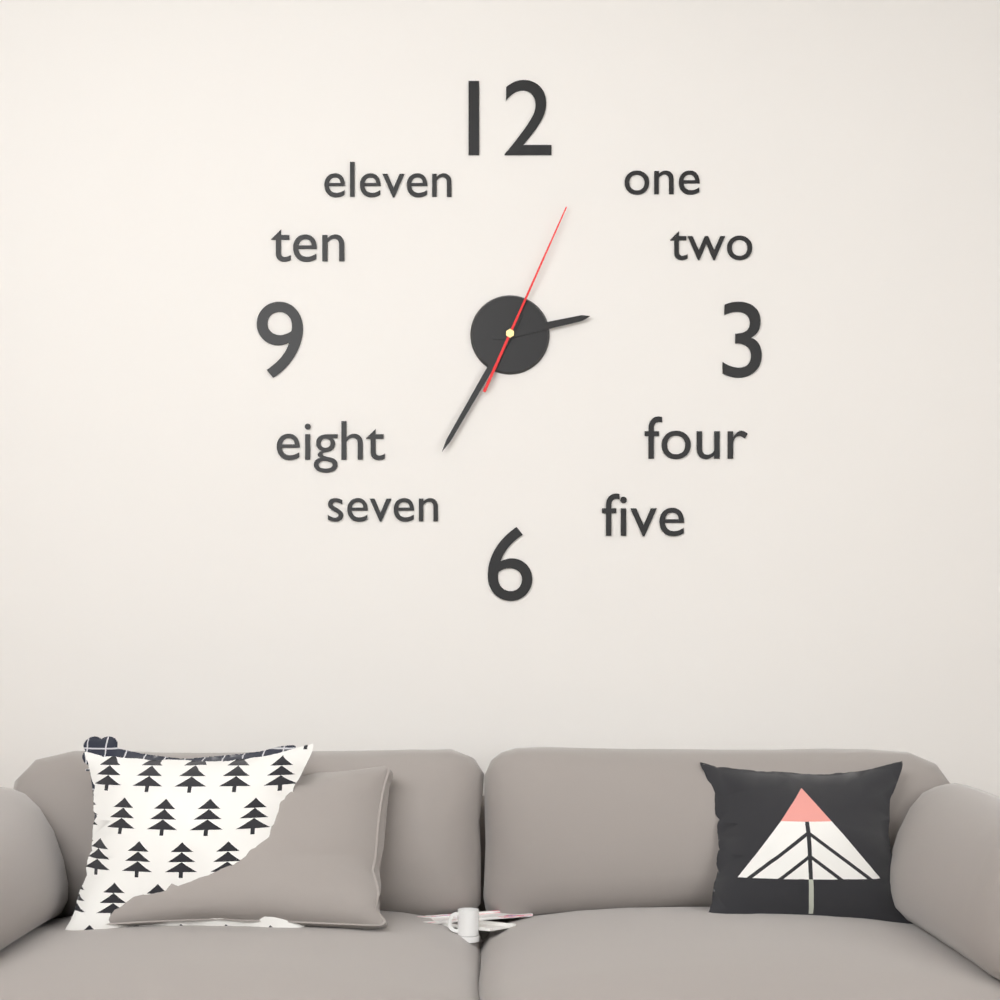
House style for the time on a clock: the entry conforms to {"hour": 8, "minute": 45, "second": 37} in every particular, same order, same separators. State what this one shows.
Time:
{"hour": 2, "minute": 35, "second": 4}
